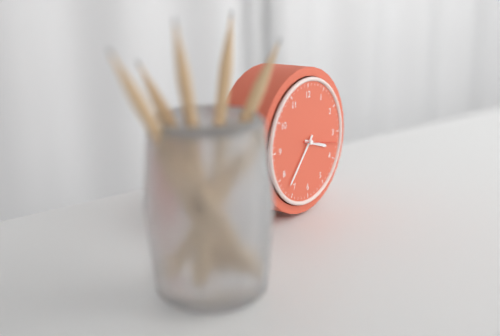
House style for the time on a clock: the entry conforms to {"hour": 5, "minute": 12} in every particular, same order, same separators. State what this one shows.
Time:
{"hour": 3, "minute": 37}
